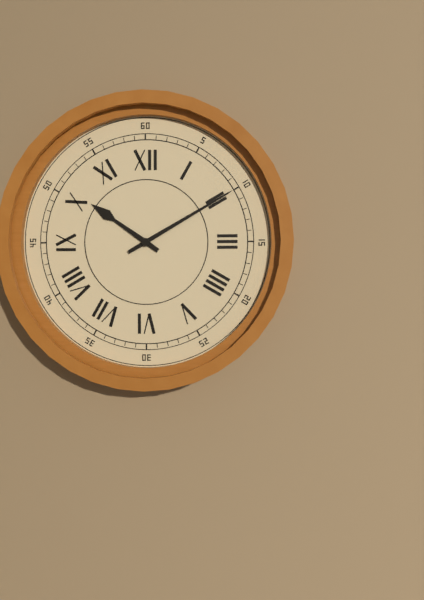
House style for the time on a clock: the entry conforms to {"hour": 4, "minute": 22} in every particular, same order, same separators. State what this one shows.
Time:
{"hour": 10, "minute": 10}
